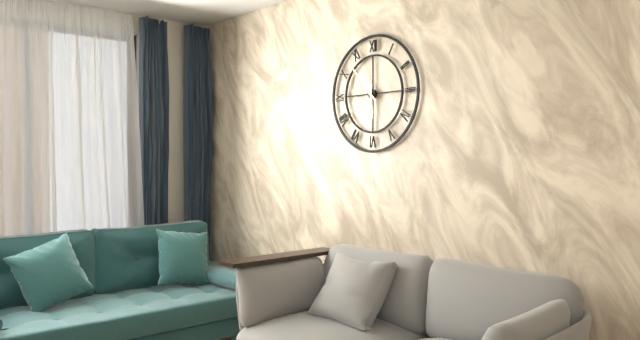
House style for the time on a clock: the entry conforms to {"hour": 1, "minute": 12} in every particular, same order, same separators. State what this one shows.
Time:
{"hour": 5, "minute": 53}
